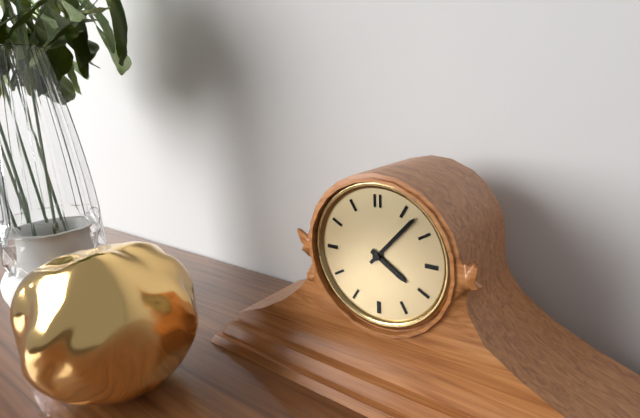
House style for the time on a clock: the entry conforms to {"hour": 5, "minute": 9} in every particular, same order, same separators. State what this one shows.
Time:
{"hour": 4, "minute": 7}
